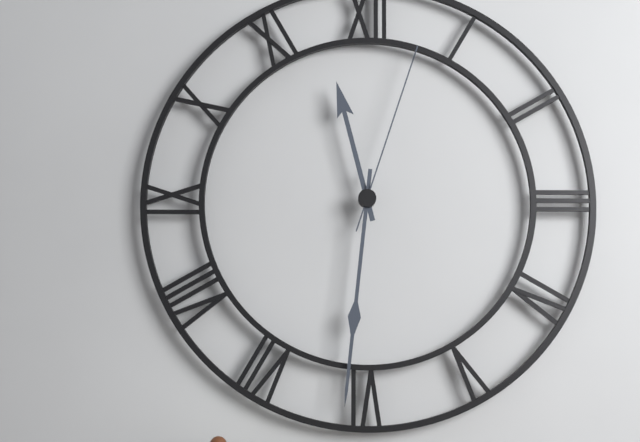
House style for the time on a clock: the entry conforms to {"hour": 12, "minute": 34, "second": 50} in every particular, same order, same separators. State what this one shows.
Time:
{"hour": 11, "minute": 31, "second": 3}
